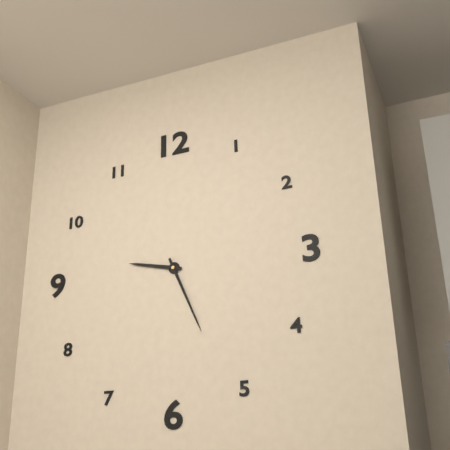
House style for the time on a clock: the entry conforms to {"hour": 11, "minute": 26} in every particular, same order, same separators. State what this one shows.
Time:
{"hour": 9, "minute": 26}
